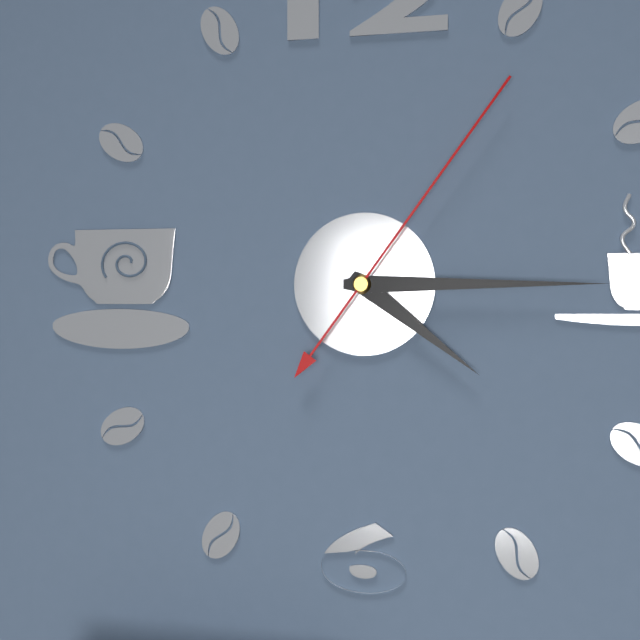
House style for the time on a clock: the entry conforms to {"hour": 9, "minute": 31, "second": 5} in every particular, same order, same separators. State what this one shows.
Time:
{"hour": 4, "minute": 15, "second": 6}
